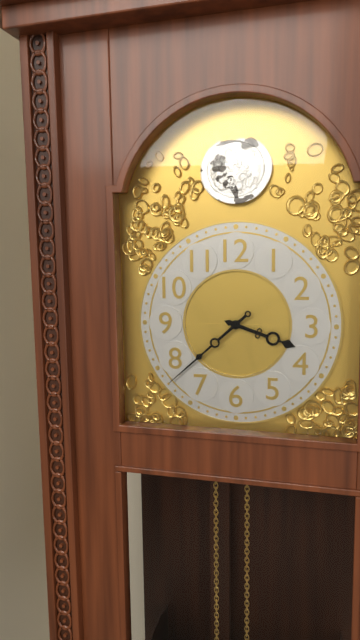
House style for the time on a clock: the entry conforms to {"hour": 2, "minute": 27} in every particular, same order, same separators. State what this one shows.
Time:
{"hour": 3, "minute": 38}
